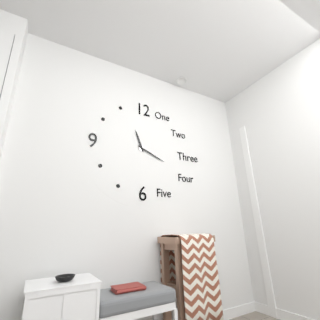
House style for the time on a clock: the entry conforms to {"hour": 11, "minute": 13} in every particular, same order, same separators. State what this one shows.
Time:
{"hour": 11, "minute": 19}
